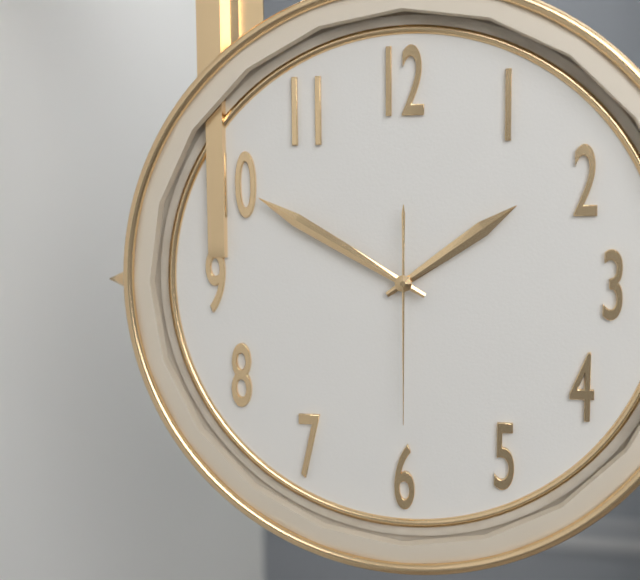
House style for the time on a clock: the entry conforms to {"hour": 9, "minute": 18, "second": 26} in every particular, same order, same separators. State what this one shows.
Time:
{"hour": 1, "minute": 50, "second": 30}
